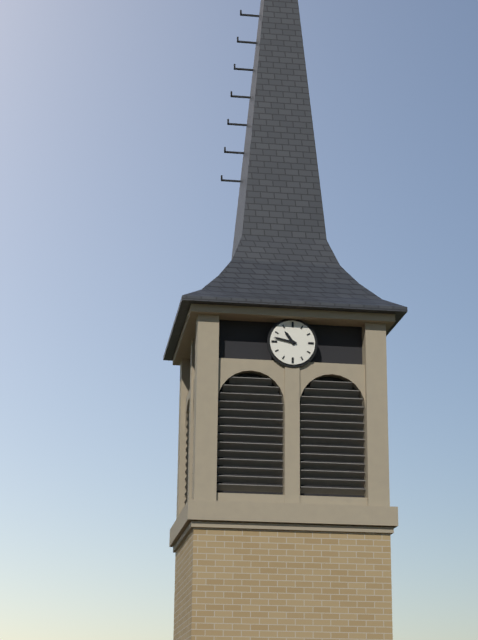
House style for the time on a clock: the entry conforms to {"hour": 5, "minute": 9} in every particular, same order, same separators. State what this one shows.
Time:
{"hour": 10, "minute": 47}
